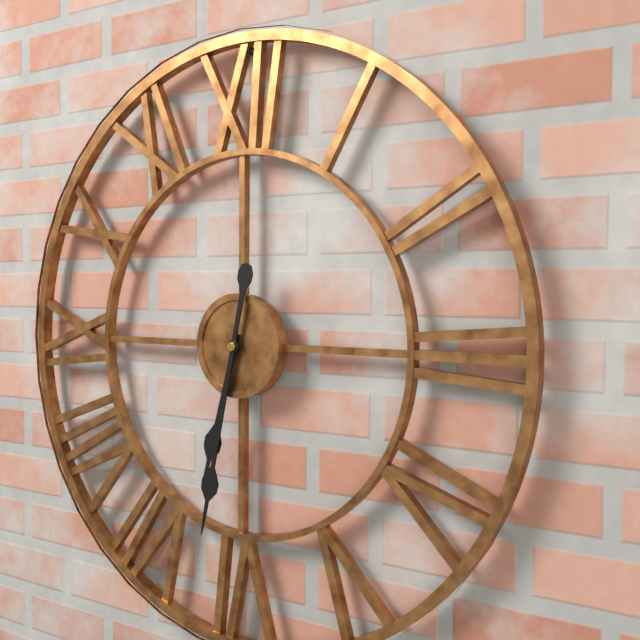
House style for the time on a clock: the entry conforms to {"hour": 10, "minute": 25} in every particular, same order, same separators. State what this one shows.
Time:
{"hour": 6, "minute": 32}
